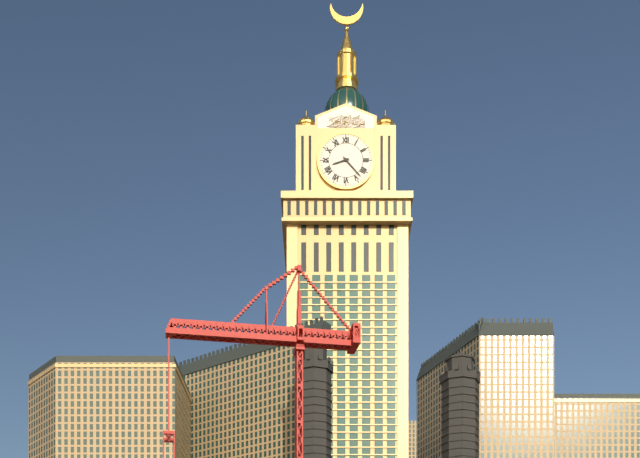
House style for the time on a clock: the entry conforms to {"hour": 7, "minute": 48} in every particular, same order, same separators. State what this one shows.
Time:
{"hour": 8, "minute": 23}
